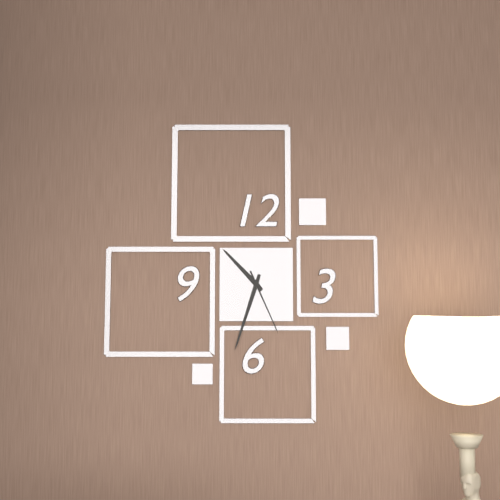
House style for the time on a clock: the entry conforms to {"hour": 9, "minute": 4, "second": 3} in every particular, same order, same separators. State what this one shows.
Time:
{"hour": 10, "minute": 33, "second": 26}
